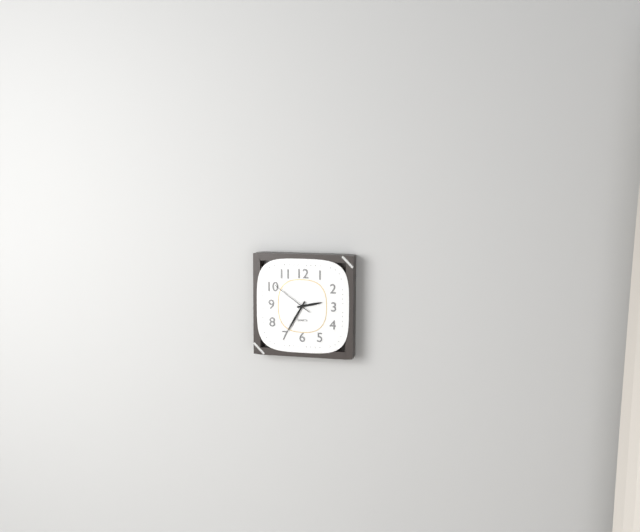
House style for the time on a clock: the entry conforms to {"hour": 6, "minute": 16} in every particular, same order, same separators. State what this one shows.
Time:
{"hour": 2, "minute": 35}
